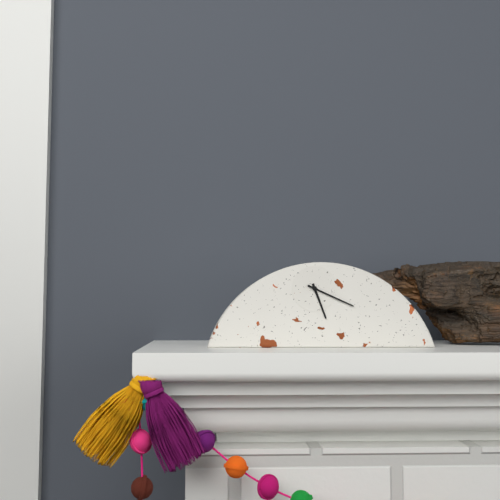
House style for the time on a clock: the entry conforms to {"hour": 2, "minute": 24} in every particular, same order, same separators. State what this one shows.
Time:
{"hour": 5, "minute": 19}
